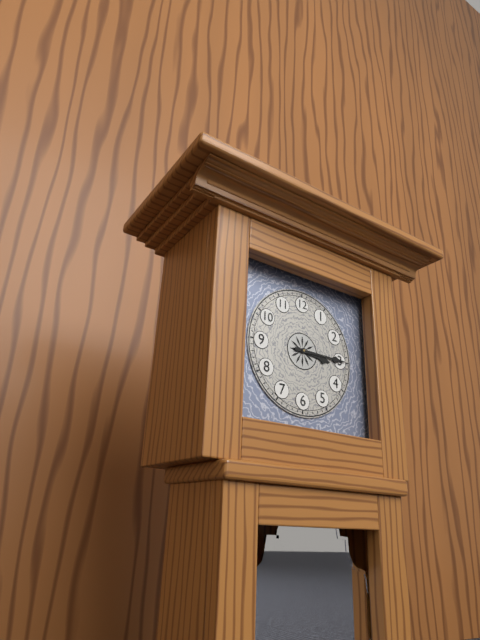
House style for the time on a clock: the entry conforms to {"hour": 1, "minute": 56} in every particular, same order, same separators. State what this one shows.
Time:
{"hour": 3, "minute": 15}
